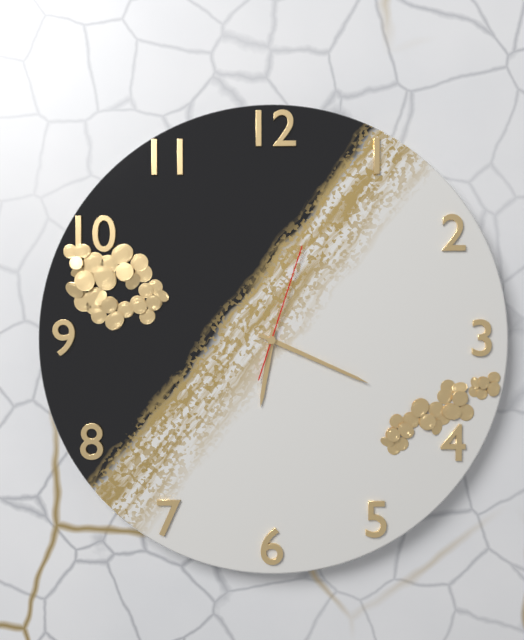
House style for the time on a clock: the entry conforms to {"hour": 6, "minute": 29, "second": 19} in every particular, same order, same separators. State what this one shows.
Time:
{"hour": 6, "minute": 19, "second": 3}
